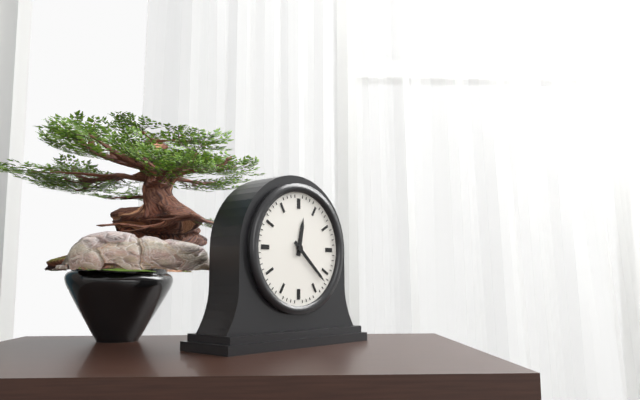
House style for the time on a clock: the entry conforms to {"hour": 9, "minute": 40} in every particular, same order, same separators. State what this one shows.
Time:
{"hour": 12, "minute": 22}
